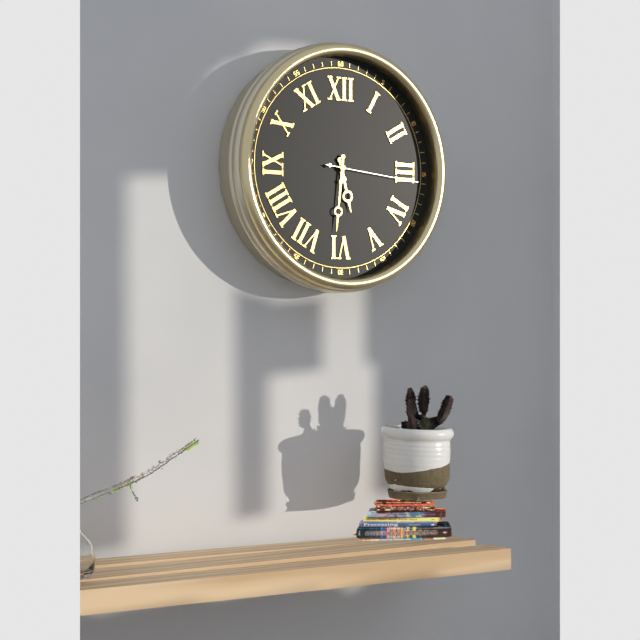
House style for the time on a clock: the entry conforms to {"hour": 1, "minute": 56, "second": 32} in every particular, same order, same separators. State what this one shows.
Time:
{"hour": 5, "minute": 31, "second": 16}
